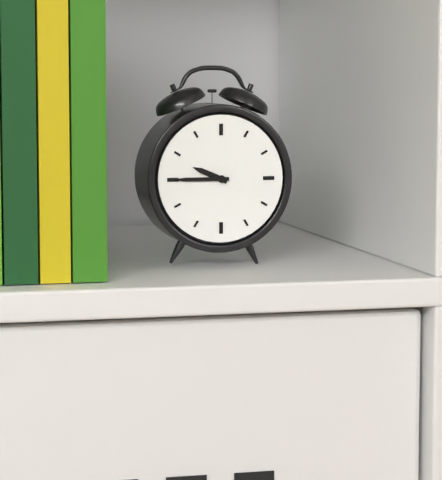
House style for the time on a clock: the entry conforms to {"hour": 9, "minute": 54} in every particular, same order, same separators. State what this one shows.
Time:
{"hour": 9, "minute": 45}
